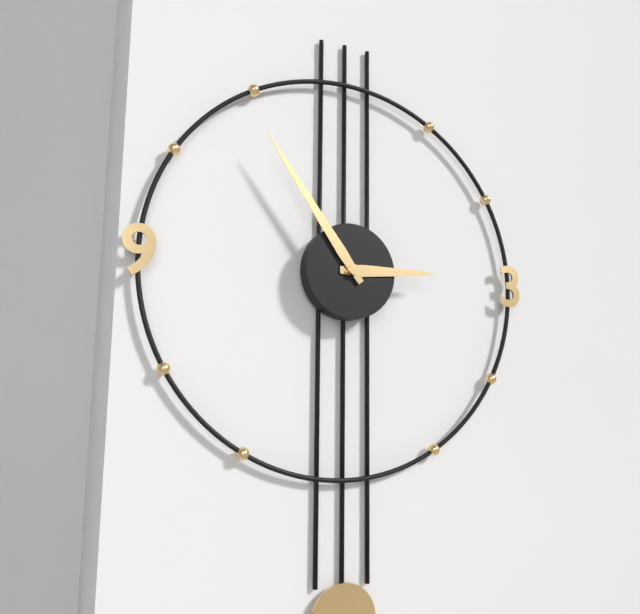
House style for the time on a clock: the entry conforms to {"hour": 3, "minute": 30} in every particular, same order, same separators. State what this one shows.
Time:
{"hour": 2, "minute": 54}
